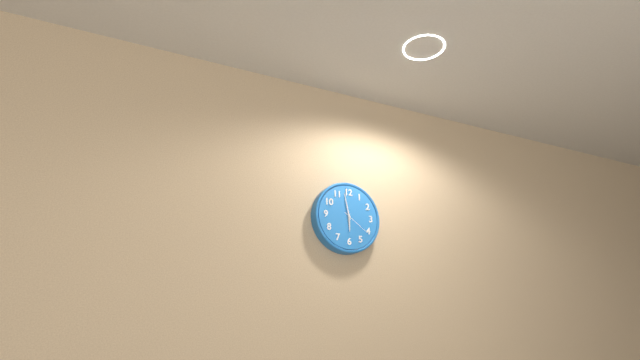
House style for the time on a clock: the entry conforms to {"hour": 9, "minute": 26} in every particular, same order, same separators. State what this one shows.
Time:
{"hour": 5, "minute": 58}
